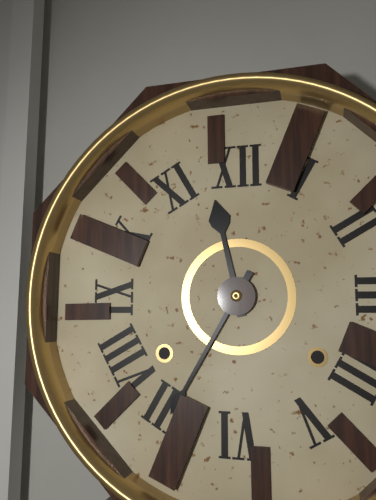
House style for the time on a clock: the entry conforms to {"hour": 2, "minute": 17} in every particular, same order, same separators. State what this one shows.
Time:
{"hour": 11, "minute": 35}
